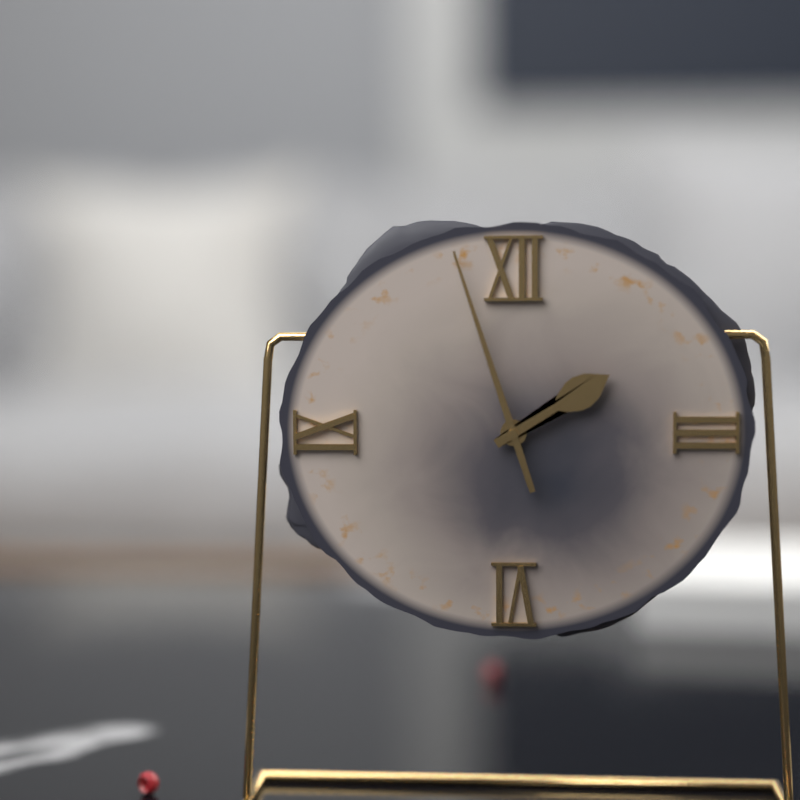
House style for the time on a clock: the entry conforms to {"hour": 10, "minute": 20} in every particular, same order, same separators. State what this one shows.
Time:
{"hour": 1, "minute": 57}
